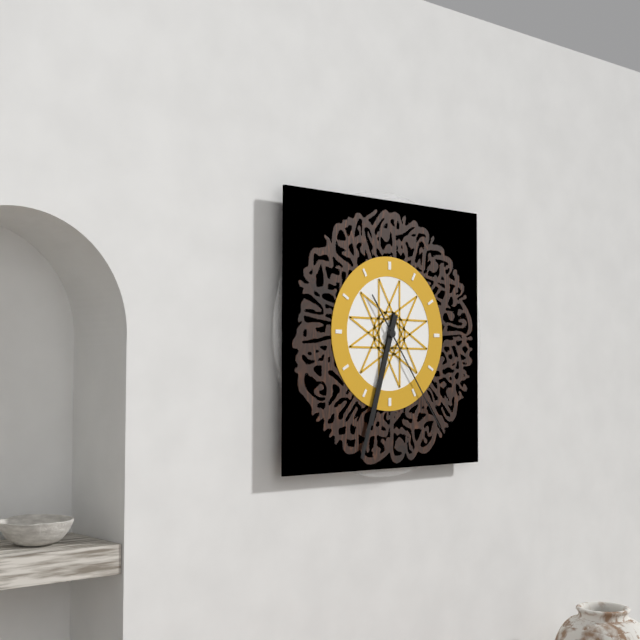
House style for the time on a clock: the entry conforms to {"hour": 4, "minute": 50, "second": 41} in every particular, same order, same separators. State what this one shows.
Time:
{"hour": 6, "minute": 33, "second": 24}
